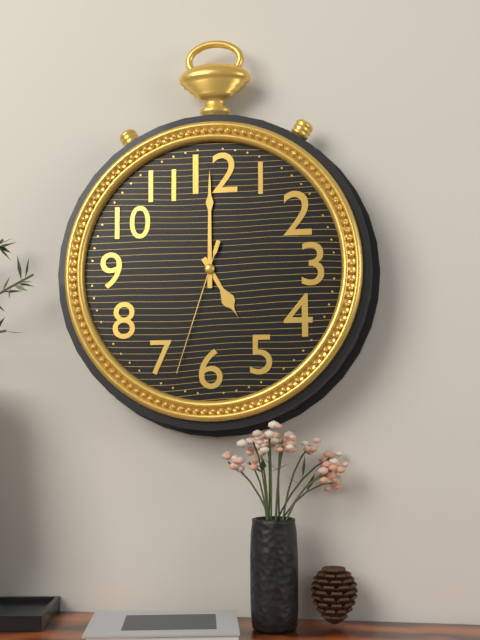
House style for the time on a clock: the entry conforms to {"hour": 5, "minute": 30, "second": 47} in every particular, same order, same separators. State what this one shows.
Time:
{"hour": 5, "minute": 0, "second": 33}
